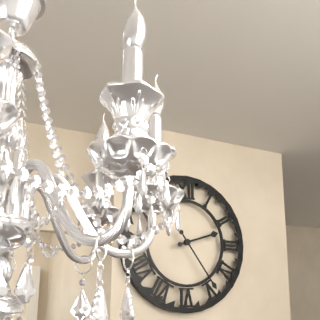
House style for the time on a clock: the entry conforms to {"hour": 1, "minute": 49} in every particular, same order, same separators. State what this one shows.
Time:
{"hour": 2, "minute": 24}
